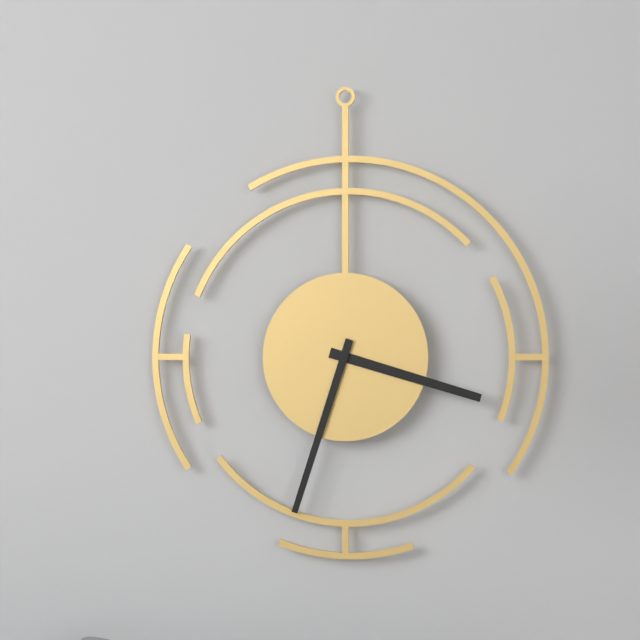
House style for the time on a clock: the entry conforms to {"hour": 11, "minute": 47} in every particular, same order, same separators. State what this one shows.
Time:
{"hour": 3, "minute": 33}
